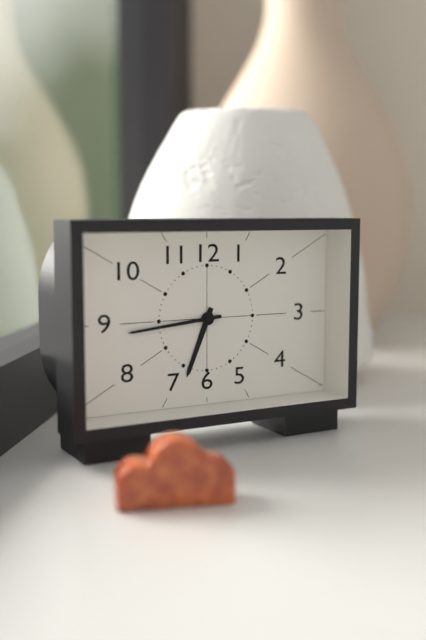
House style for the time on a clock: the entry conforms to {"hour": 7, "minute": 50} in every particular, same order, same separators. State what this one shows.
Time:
{"hour": 6, "minute": 44}
